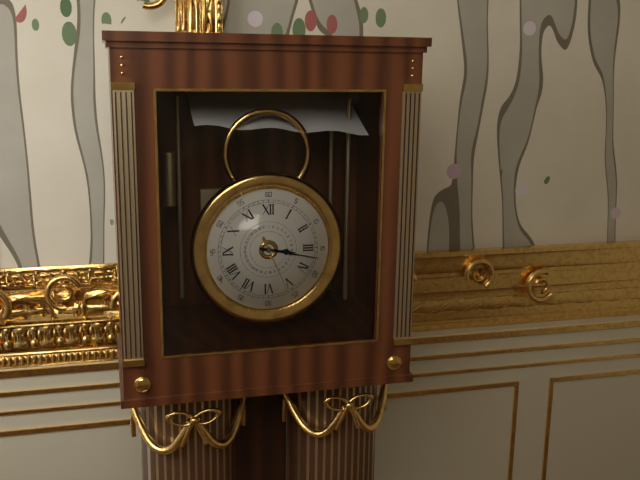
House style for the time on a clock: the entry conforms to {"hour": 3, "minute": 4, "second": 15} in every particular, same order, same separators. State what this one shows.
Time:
{"hour": 3, "minute": 17, "second": 26}
